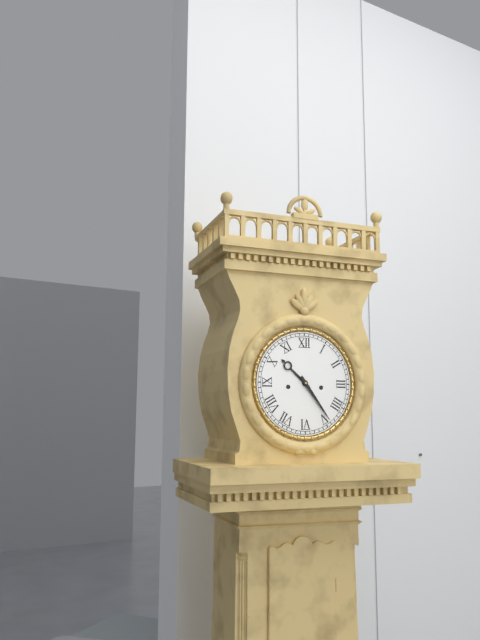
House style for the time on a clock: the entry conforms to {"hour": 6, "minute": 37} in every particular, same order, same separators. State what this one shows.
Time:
{"hour": 10, "minute": 24}
